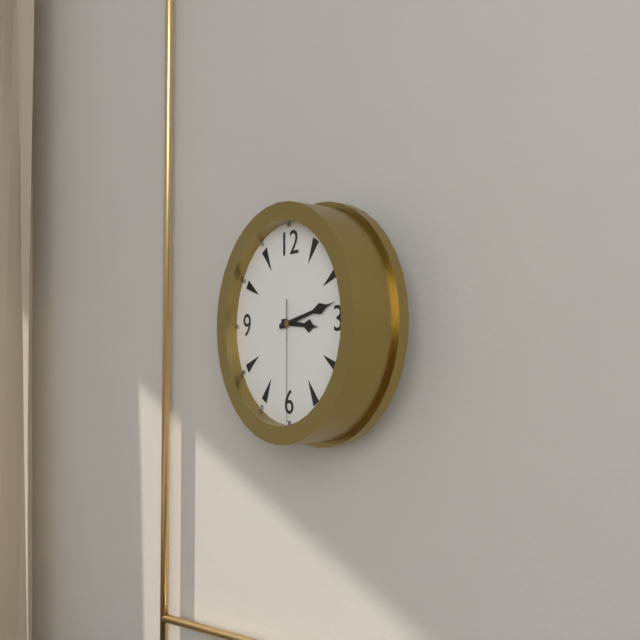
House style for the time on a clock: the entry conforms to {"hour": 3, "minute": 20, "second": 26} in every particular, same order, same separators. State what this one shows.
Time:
{"hour": 3, "minute": 13, "second": 30}
